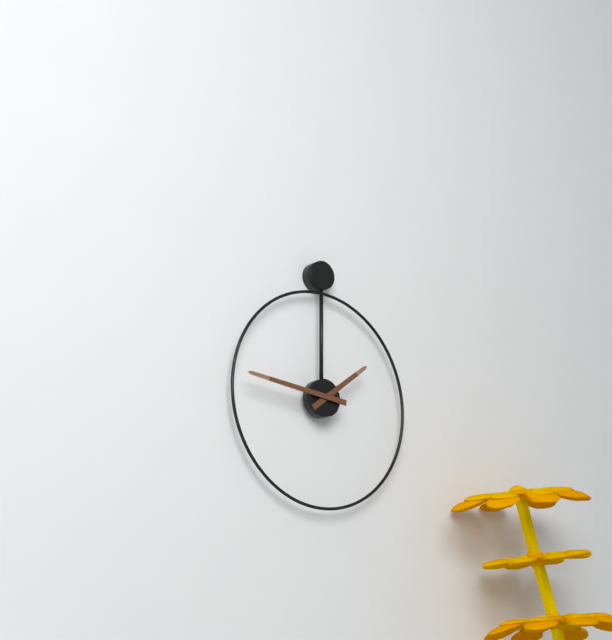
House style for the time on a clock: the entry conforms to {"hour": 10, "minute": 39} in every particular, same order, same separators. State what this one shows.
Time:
{"hour": 1, "minute": 46}
